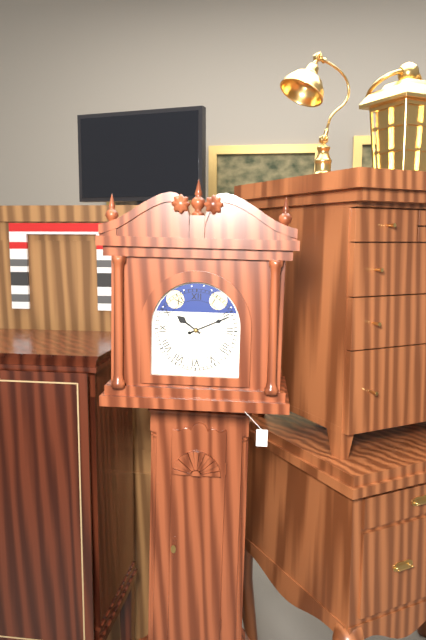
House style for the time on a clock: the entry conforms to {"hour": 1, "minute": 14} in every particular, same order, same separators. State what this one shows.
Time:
{"hour": 10, "minute": 11}
